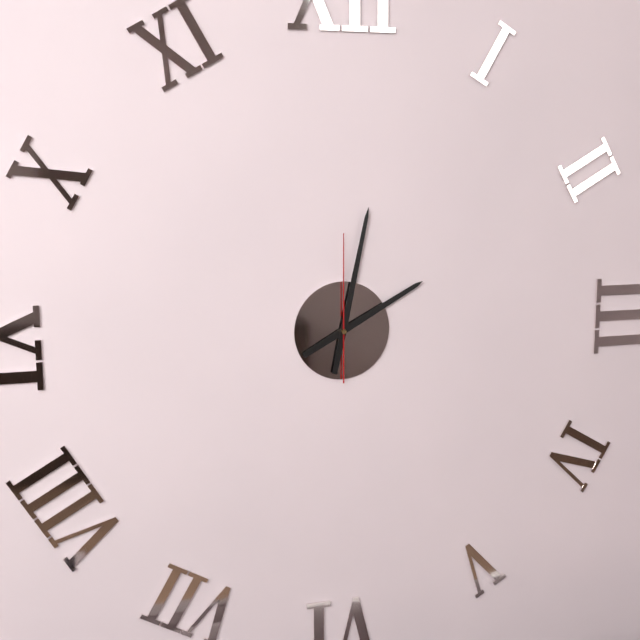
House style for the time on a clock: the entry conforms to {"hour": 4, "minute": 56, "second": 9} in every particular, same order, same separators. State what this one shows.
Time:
{"hour": 2, "minute": 2, "second": 0}
